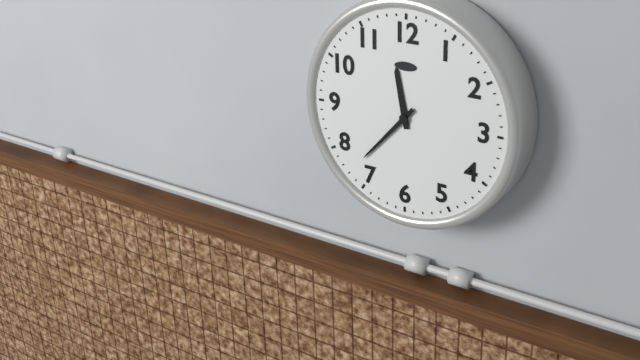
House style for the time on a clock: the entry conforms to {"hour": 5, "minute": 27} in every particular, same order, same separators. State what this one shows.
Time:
{"hour": 11, "minute": 37}
